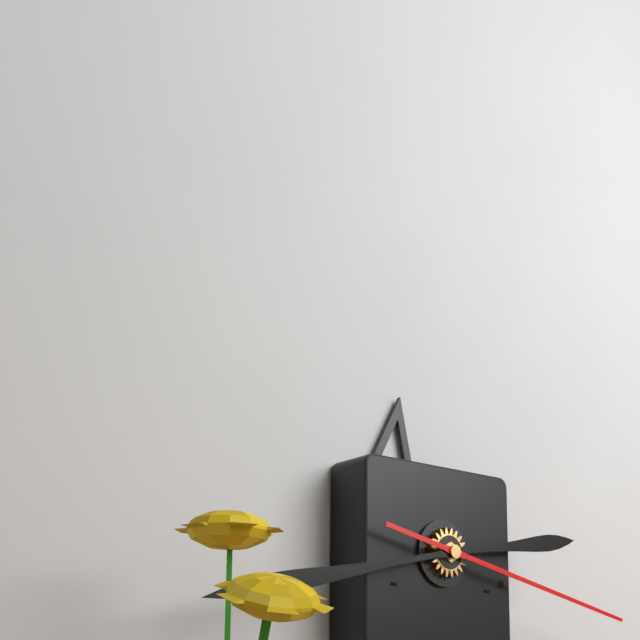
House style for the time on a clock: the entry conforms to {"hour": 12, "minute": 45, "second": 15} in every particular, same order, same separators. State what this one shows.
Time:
{"hour": 2, "minute": 43, "second": 17}
